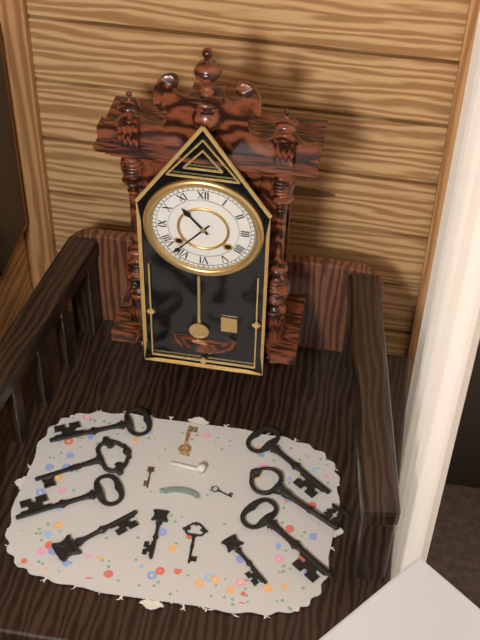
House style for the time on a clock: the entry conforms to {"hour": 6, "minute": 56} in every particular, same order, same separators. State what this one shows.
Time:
{"hour": 10, "minute": 37}
